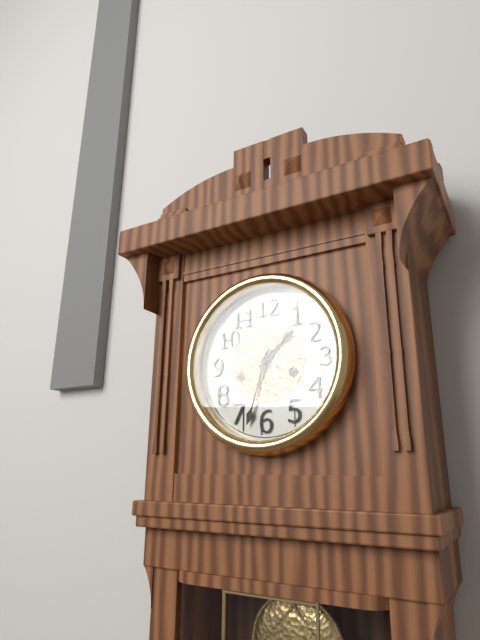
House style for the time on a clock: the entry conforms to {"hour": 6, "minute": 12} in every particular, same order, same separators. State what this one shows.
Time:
{"hour": 1, "minute": 33}
